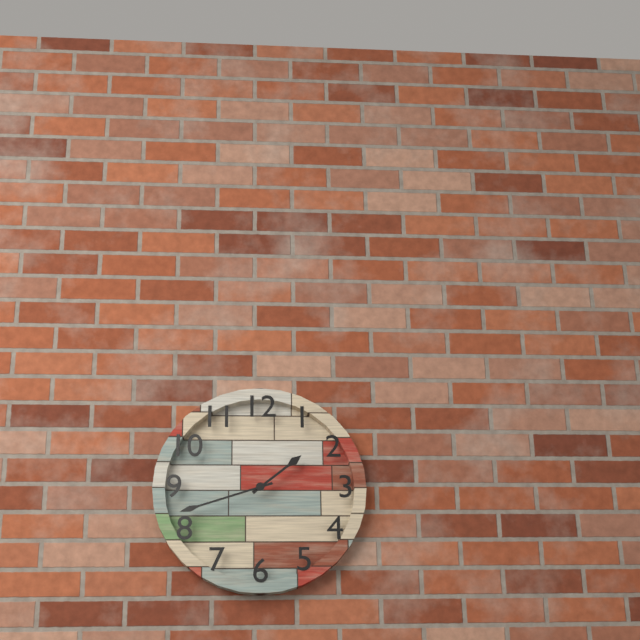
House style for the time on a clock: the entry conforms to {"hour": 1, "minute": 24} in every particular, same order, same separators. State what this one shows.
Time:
{"hour": 1, "minute": 42}
